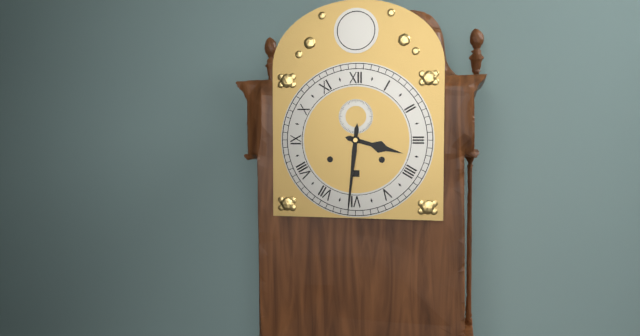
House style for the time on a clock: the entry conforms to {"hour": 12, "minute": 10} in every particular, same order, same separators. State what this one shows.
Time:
{"hour": 3, "minute": 31}
